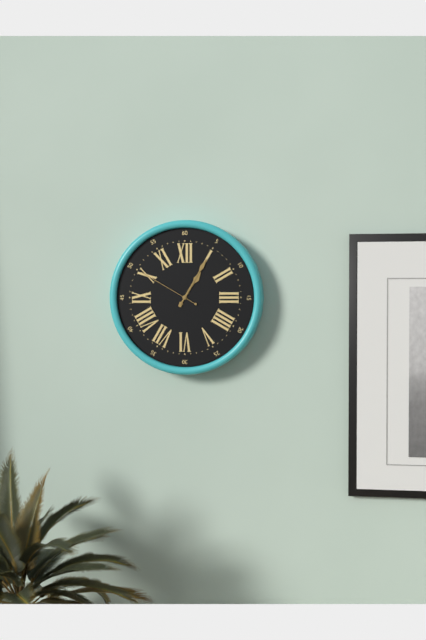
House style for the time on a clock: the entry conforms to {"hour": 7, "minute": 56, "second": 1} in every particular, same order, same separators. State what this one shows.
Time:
{"hour": 1, "minute": 5, "second": 50}
